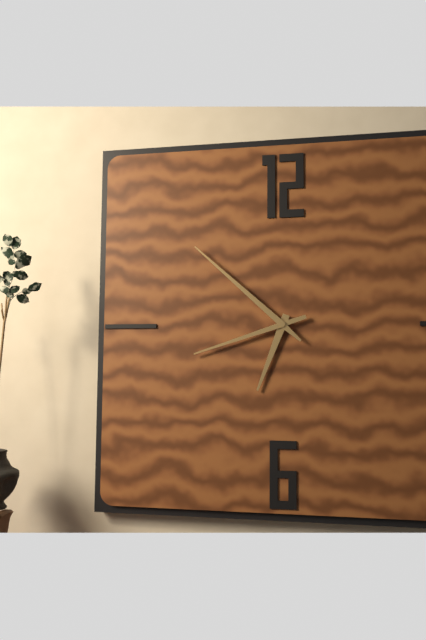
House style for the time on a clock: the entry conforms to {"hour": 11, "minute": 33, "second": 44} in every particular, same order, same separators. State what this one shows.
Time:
{"hour": 6, "minute": 42, "second": 52}
